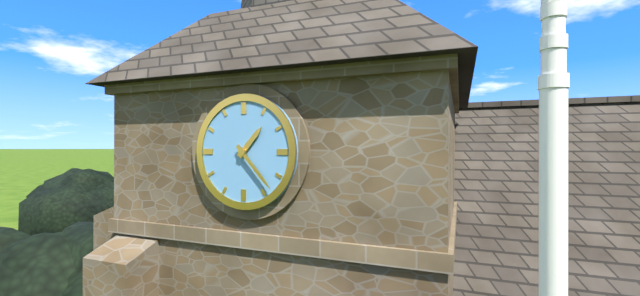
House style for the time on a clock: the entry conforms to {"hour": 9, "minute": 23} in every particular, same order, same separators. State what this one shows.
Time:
{"hour": 1, "minute": 23}
